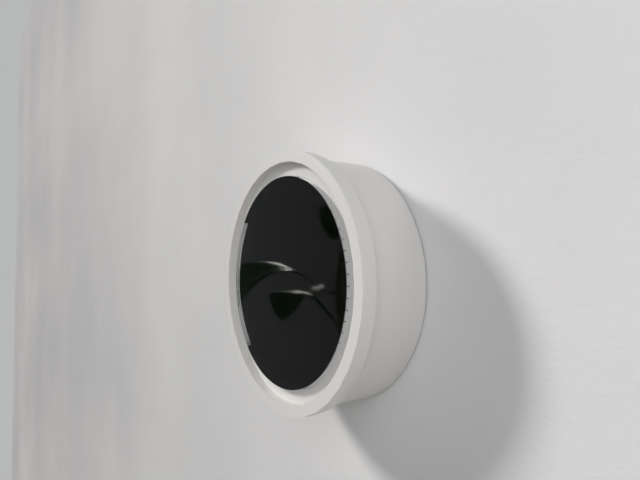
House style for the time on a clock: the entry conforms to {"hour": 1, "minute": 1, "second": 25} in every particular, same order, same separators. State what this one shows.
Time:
{"hour": 4, "minute": 26, "second": 6}
